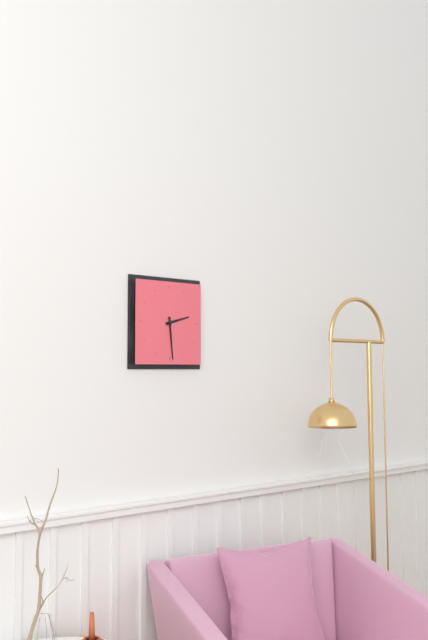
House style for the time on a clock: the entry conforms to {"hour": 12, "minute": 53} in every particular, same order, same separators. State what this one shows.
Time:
{"hour": 2, "minute": 29}
